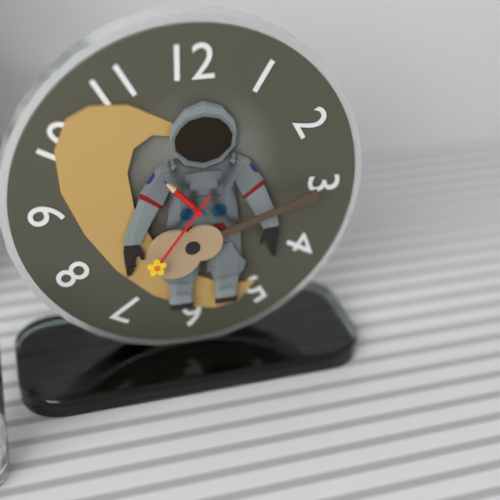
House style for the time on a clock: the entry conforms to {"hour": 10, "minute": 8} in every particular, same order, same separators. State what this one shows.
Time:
{"hour": 10, "minute": 36}
